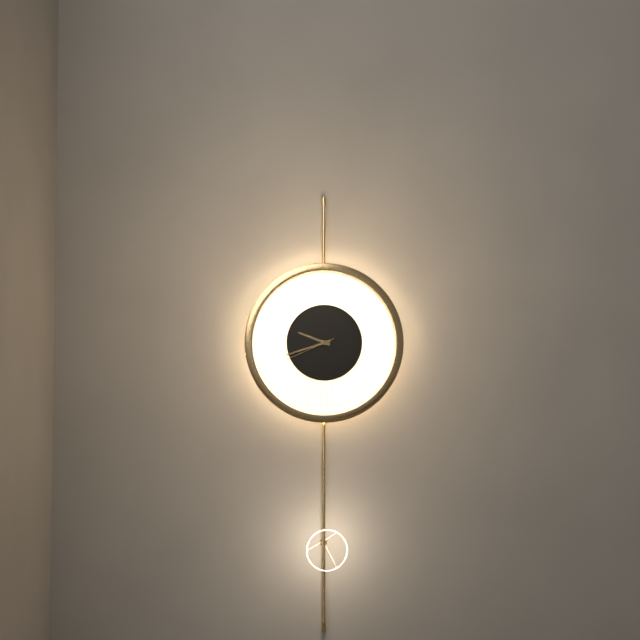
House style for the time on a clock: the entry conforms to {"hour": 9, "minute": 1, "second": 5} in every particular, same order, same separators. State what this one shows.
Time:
{"hour": 9, "minute": 42, "second": 41}
